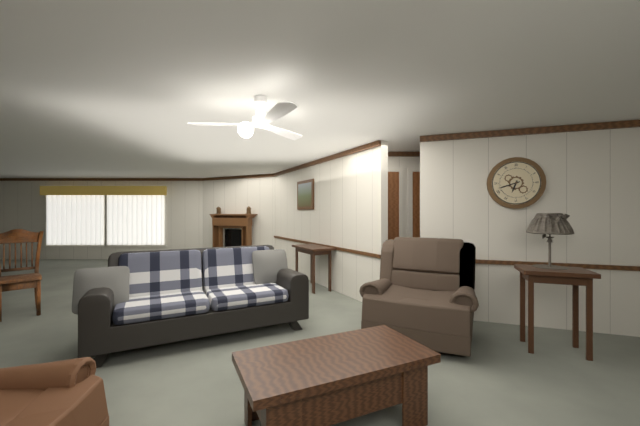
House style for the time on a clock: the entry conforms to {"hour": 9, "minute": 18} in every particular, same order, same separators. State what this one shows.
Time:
{"hour": 6, "minute": 42}
